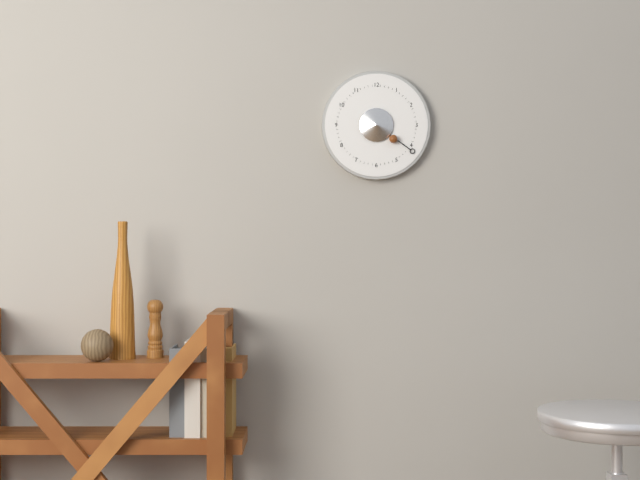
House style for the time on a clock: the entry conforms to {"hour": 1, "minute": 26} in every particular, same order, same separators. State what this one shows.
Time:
{"hour": 4, "minute": 21}
